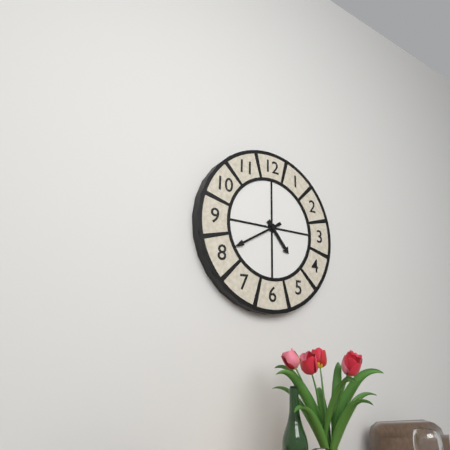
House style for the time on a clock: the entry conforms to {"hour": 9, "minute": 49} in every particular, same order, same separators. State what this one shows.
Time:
{"hour": 4, "minute": 40}
